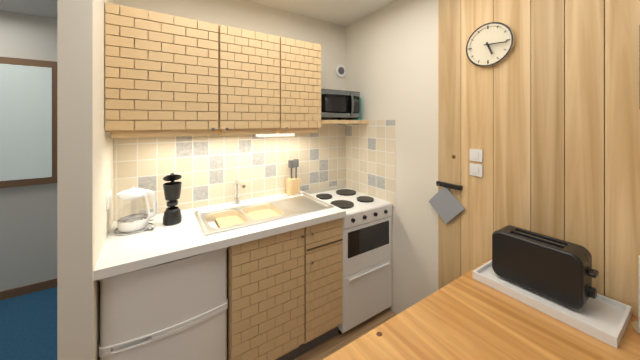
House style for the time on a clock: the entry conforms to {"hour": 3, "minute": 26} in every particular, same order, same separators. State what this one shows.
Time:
{"hour": 5, "minute": 16}
